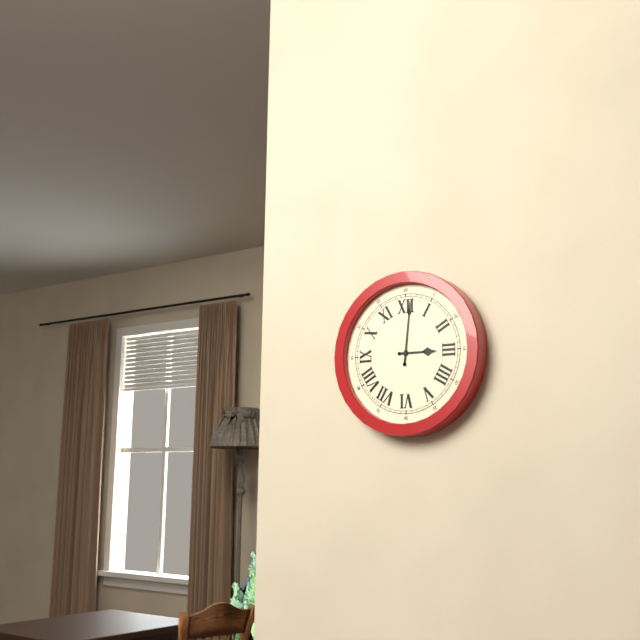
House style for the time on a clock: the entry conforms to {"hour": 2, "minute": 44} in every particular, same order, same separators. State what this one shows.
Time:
{"hour": 3, "minute": 1}
